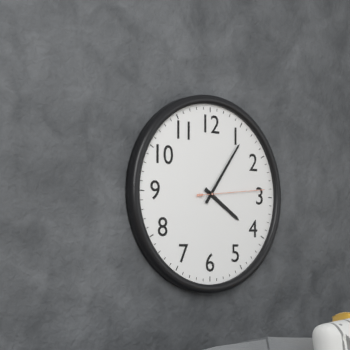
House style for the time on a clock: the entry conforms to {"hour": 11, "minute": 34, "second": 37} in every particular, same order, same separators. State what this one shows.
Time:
{"hour": 4, "minute": 6, "second": 14}
